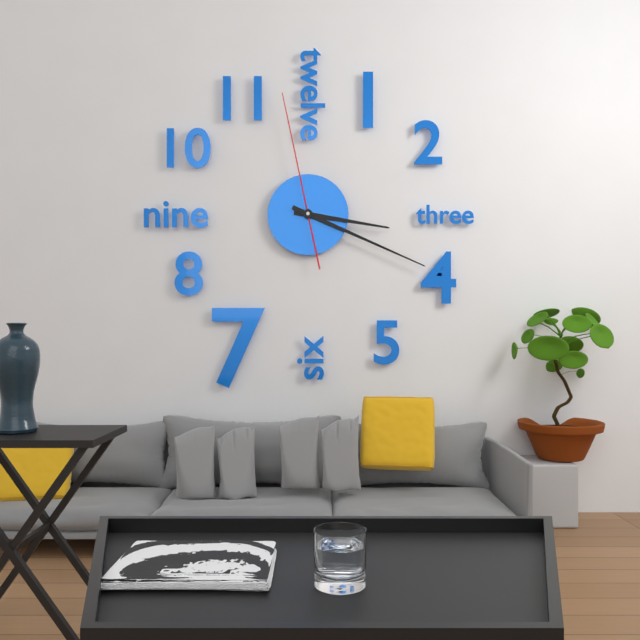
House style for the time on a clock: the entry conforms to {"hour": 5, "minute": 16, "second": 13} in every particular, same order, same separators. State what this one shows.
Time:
{"hour": 3, "minute": 19, "second": 58}
